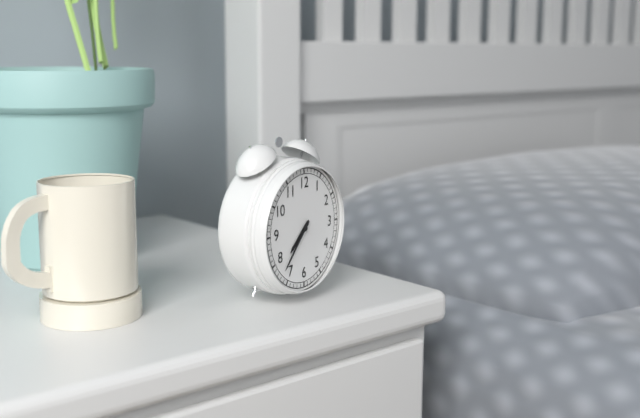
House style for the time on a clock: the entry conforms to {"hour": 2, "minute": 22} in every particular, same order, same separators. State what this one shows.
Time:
{"hour": 7, "minute": 37}
